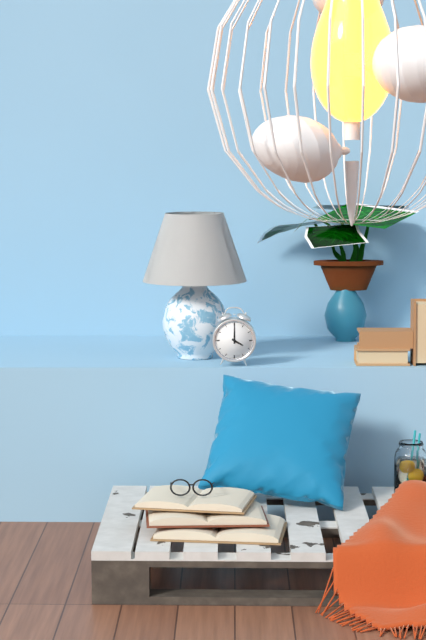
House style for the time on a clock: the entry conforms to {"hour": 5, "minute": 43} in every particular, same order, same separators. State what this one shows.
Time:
{"hour": 4, "minute": 0}
